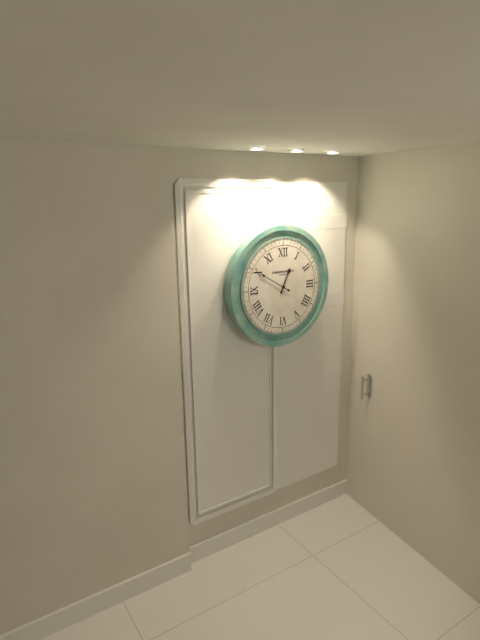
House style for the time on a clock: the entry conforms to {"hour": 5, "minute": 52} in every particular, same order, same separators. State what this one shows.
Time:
{"hour": 12, "minute": 50}
